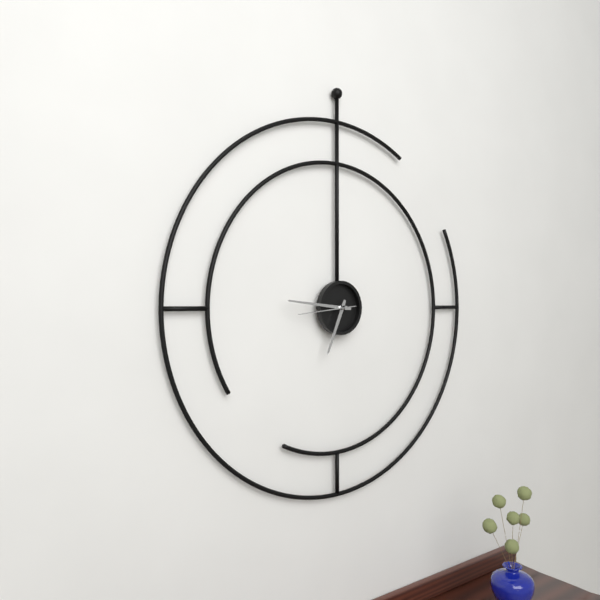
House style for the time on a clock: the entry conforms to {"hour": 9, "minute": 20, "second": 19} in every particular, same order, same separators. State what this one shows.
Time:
{"hour": 6, "minute": 46, "second": 44}
